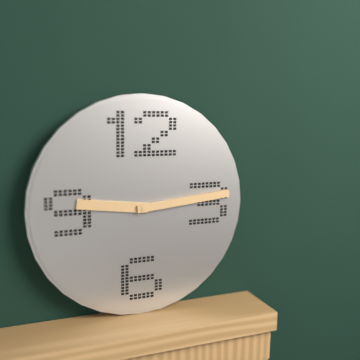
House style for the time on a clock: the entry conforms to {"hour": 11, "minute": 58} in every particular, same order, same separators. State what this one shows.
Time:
{"hour": 9, "minute": 14}
